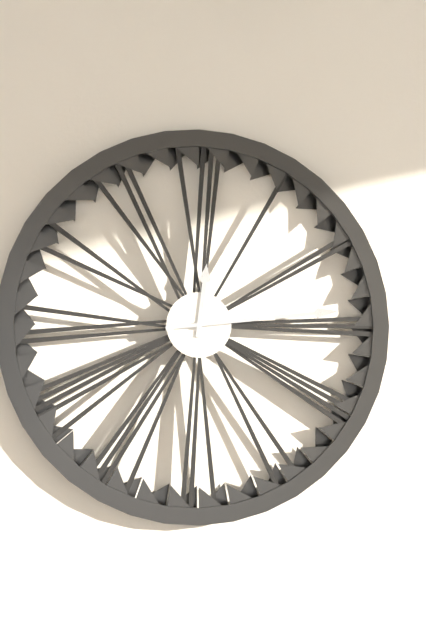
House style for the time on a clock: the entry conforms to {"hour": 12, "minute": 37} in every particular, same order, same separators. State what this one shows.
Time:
{"hour": 12, "minute": 14}
